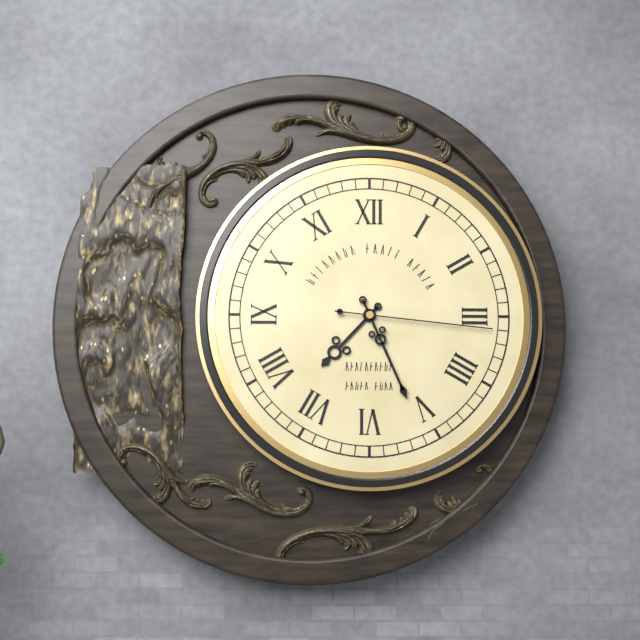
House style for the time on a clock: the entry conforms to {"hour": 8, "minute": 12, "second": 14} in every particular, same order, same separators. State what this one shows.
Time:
{"hour": 7, "minute": 26, "second": 16}
